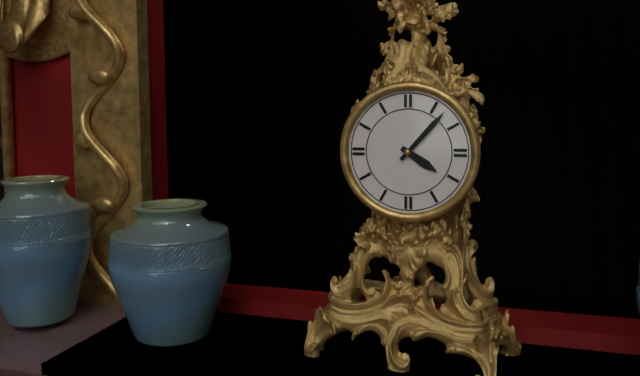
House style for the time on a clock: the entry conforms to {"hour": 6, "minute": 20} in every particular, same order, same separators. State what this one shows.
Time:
{"hour": 4, "minute": 7}
